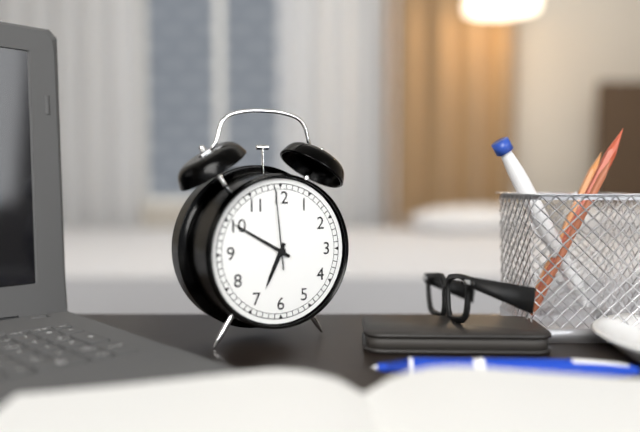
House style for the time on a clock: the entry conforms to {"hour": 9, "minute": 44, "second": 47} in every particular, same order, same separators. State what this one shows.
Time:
{"hour": 6, "minute": 50, "second": 59}
